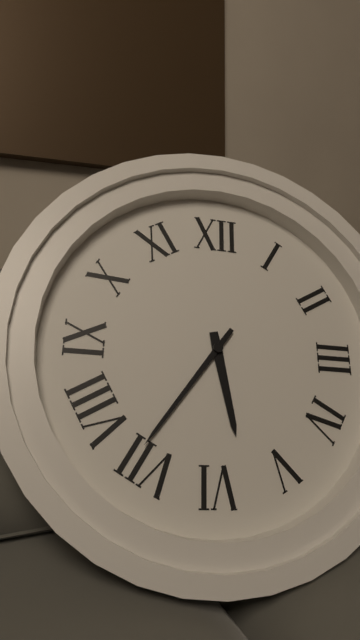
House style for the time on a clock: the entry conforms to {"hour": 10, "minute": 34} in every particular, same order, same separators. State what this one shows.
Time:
{"hour": 5, "minute": 36}
